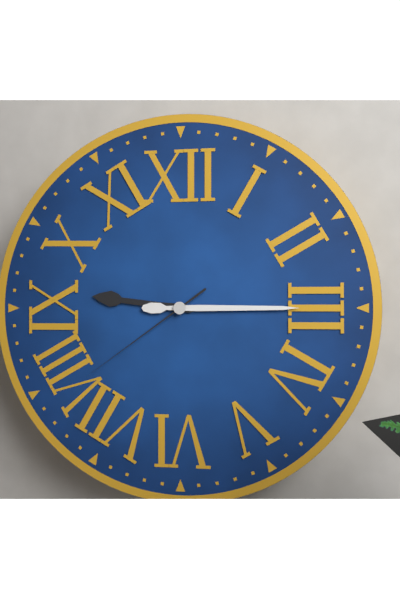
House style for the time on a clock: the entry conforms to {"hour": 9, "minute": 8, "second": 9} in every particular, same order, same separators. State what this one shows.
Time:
{"hour": 9, "minute": 15, "second": 39}
